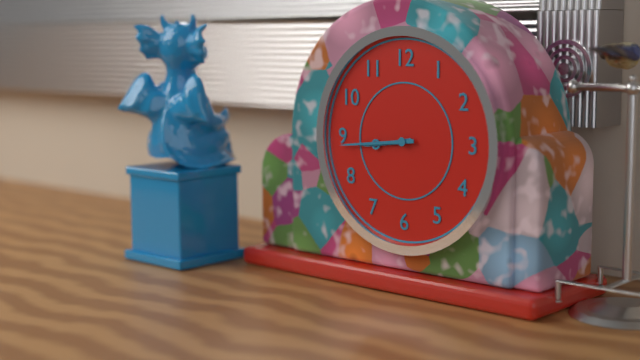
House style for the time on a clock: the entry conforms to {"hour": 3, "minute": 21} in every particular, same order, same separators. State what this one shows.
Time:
{"hour": 8, "minute": 44}
